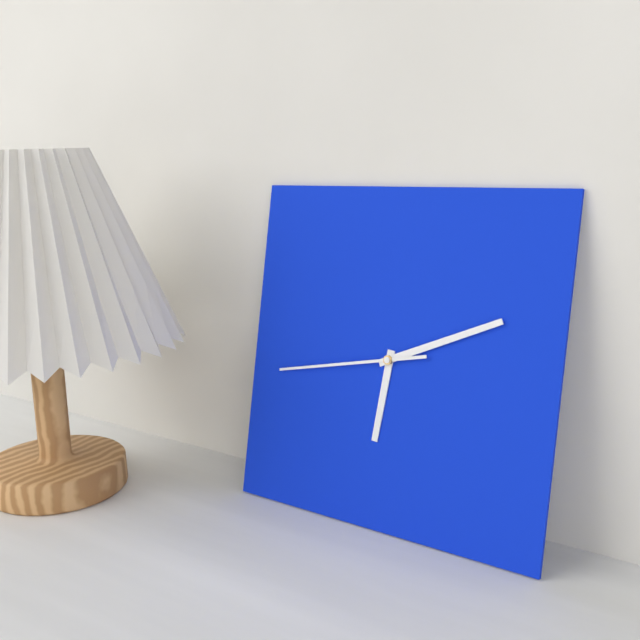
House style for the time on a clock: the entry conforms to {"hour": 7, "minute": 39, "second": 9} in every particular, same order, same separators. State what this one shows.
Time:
{"hour": 6, "minute": 11, "second": 43}
